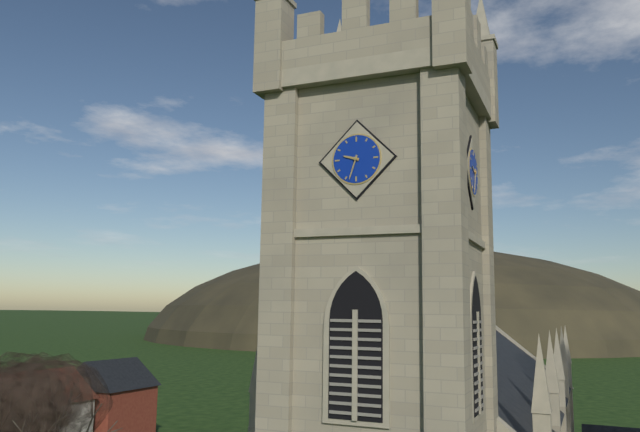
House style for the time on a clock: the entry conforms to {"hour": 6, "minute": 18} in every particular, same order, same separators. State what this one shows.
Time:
{"hour": 9, "minute": 33}
